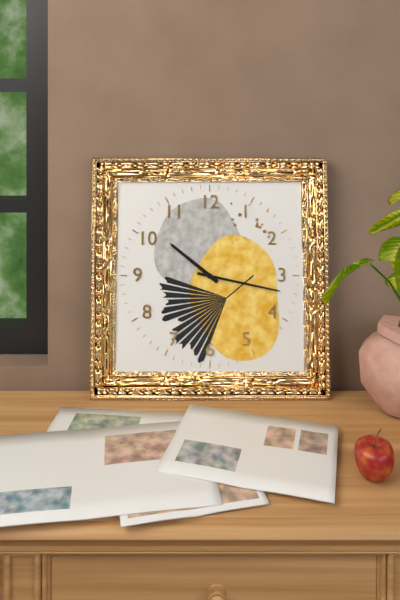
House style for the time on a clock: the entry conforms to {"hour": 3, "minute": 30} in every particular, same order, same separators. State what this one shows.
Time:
{"hour": 10, "minute": 17}
